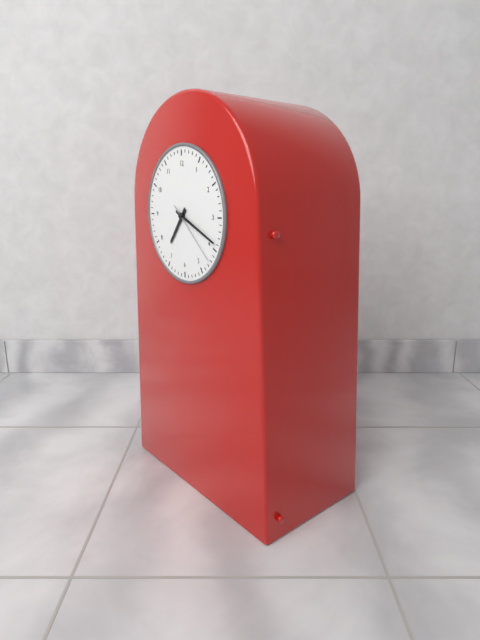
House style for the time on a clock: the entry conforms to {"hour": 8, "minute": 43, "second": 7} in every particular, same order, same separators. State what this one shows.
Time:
{"hour": 7, "minute": 19, "second": 22}
